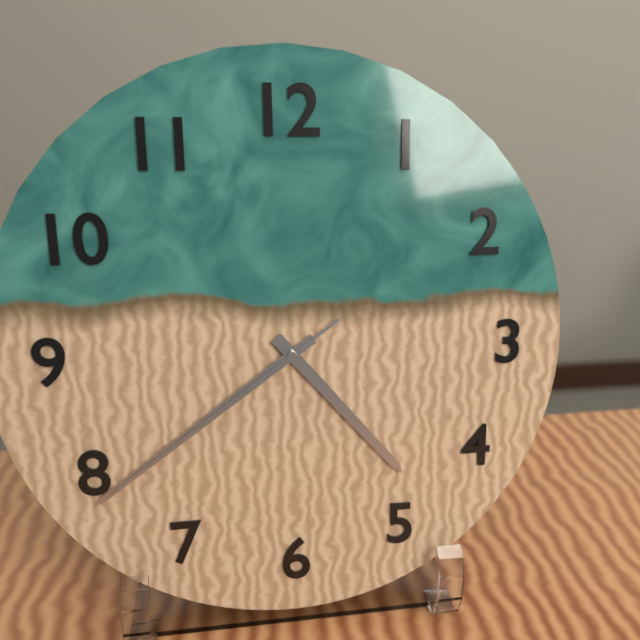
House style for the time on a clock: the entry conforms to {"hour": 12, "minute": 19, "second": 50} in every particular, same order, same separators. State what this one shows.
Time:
{"hour": 4, "minute": 39, "second": 39}
